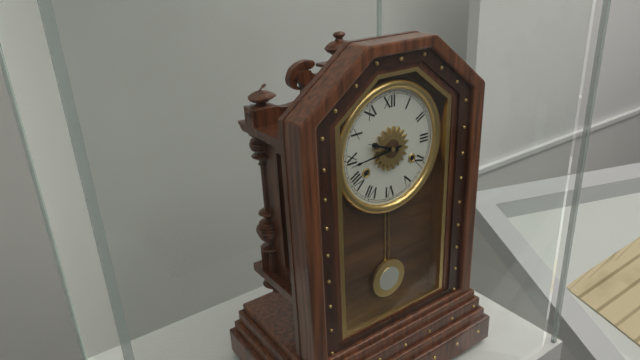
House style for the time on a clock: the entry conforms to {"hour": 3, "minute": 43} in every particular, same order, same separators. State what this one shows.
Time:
{"hour": 9, "minute": 44}
